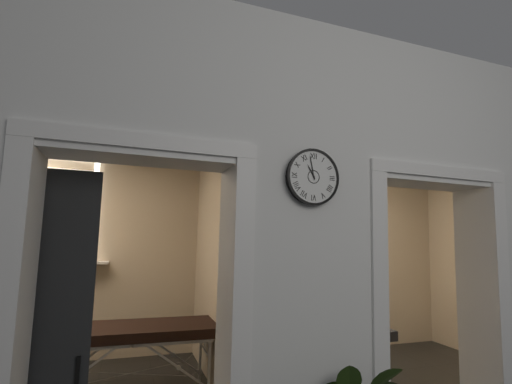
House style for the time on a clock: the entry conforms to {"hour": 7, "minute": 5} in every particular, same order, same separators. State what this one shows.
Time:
{"hour": 10, "minute": 58}
